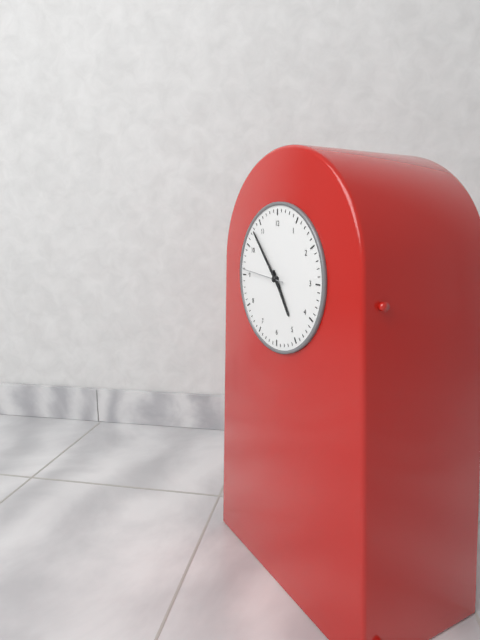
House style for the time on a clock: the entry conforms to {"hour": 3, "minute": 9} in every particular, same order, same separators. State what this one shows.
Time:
{"hour": 4, "minute": 53}
